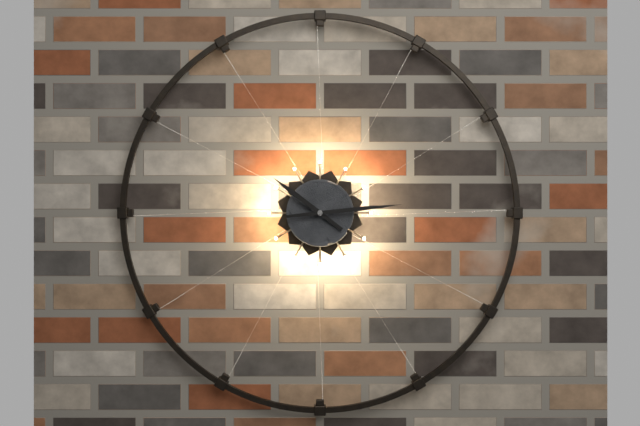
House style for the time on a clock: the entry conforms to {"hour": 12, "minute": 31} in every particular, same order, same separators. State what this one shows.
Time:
{"hour": 10, "minute": 14}
